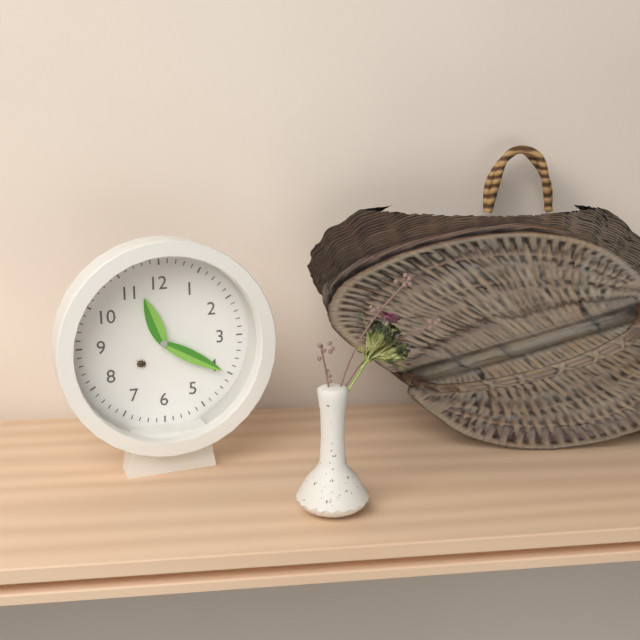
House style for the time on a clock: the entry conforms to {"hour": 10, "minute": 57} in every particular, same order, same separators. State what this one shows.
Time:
{"hour": 11, "minute": 20}
